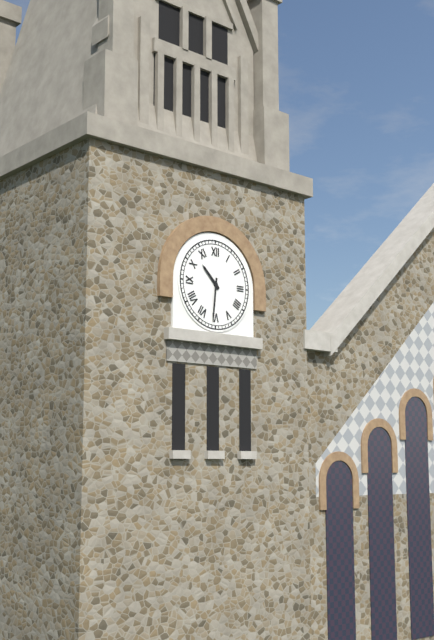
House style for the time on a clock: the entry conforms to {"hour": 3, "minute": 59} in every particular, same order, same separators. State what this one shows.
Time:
{"hour": 10, "minute": 31}
